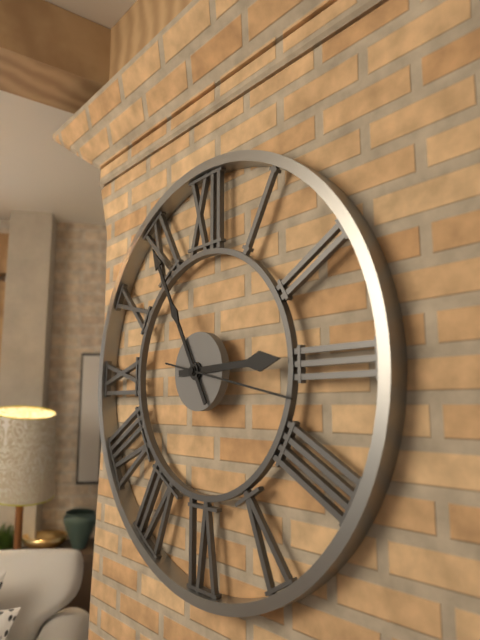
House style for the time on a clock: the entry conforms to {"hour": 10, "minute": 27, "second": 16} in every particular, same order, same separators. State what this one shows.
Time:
{"hour": 2, "minute": 55, "second": 17}
